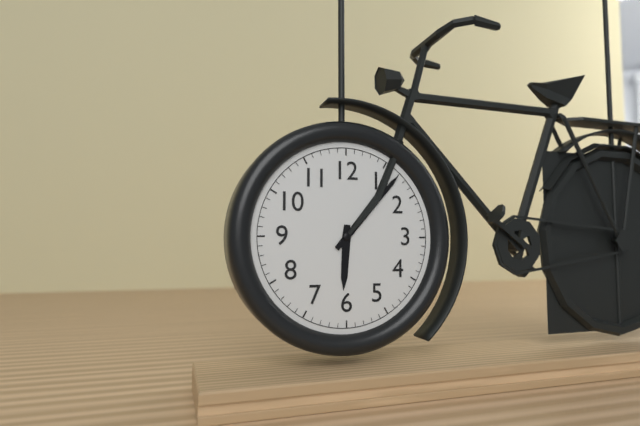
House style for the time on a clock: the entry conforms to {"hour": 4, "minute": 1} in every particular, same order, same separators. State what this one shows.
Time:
{"hour": 6, "minute": 7}
